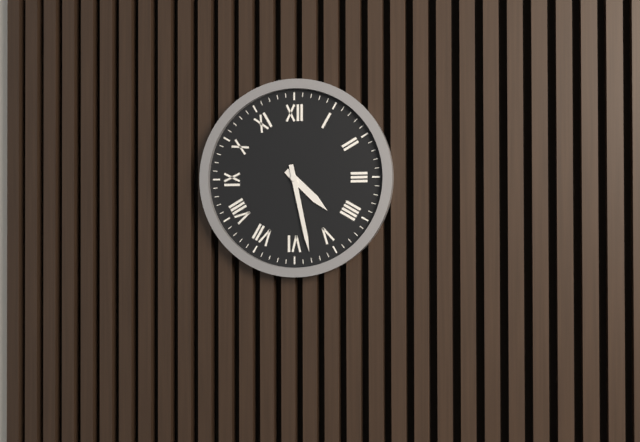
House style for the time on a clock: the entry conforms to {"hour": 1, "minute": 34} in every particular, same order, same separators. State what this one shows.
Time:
{"hour": 4, "minute": 28}
